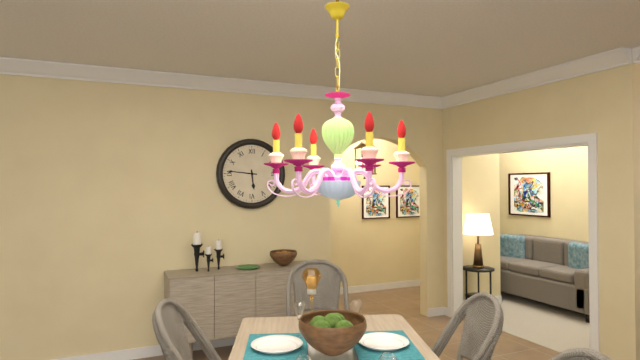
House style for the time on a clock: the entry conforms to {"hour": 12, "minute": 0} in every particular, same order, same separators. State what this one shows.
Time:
{"hour": 5, "minute": 46}
